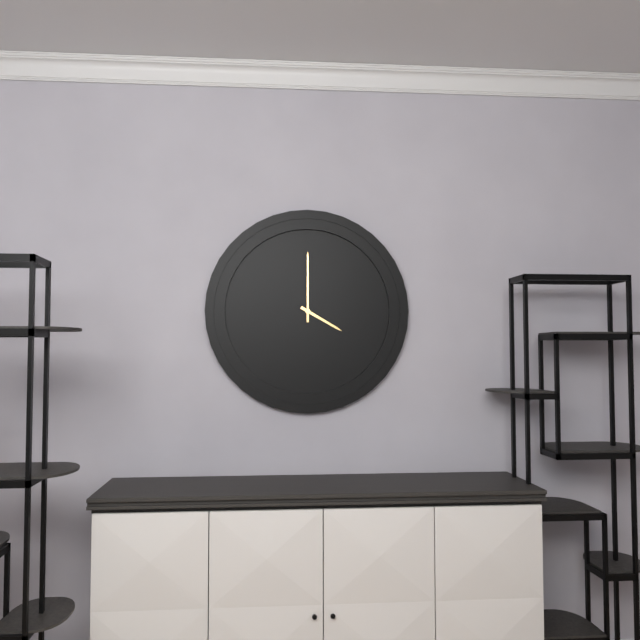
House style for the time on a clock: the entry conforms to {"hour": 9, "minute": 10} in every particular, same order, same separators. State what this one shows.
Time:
{"hour": 4, "minute": 0}
